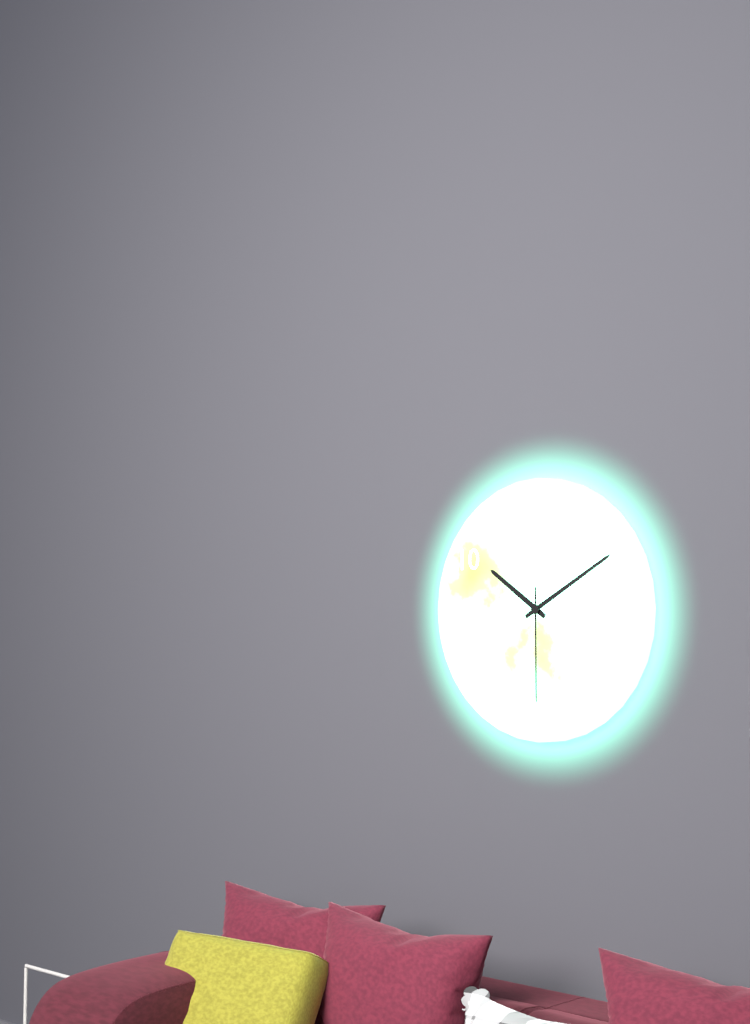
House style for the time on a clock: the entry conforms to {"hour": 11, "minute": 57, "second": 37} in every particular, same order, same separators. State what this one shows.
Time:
{"hour": 10, "minute": 10, "second": 30}
